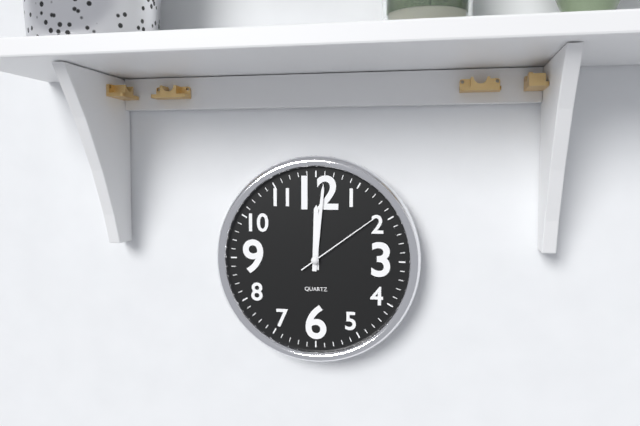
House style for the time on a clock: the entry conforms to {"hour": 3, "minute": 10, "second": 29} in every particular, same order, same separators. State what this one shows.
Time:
{"hour": 12, "minute": 1, "second": 9}
